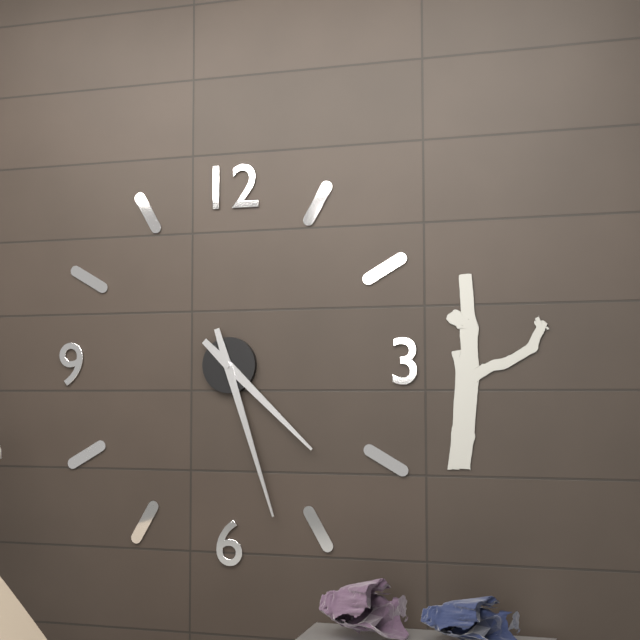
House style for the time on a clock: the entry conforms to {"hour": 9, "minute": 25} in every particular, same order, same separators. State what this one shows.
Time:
{"hour": 4, "minute": 27}
